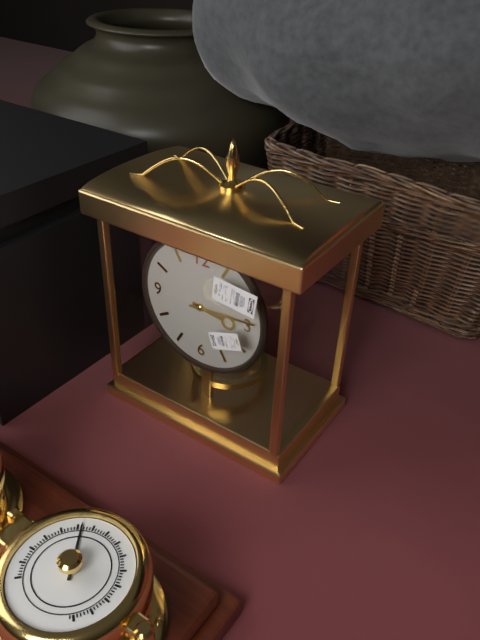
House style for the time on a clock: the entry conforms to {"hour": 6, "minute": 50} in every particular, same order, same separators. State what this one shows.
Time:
{"hour": 3, "minute": 14}
